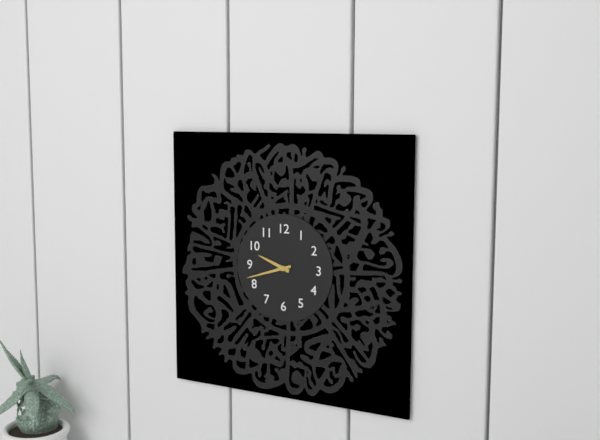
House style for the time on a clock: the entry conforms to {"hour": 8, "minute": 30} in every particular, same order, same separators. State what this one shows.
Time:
{"hour": 9, "minute": 42}
